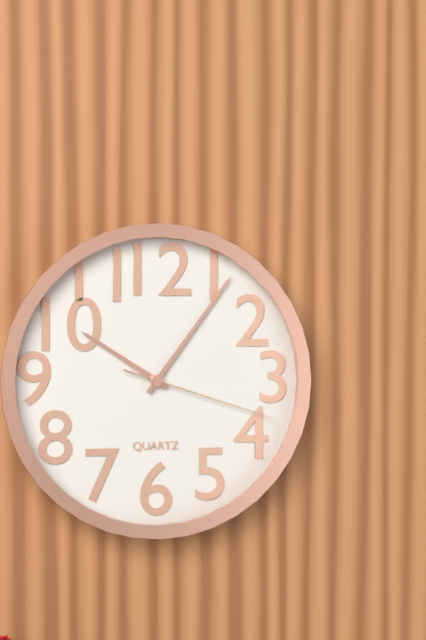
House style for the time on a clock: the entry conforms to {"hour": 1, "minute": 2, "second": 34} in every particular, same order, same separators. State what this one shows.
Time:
{"hour": 10, "minute": 6, "second": 18}
